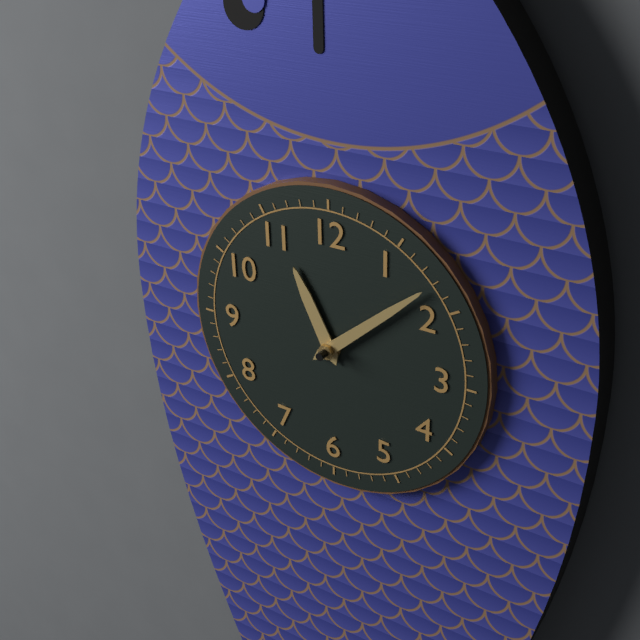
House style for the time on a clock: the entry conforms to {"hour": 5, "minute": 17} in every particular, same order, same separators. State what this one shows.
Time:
{"hour": 11, "minute": 8}
